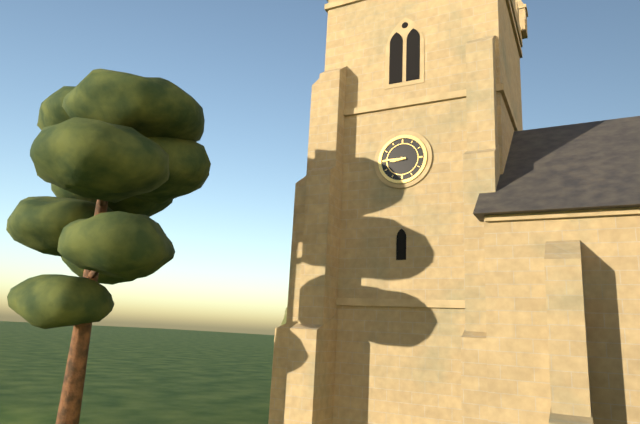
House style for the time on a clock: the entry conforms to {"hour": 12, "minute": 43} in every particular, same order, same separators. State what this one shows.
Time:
{"hour": 8, "minute": 45}
